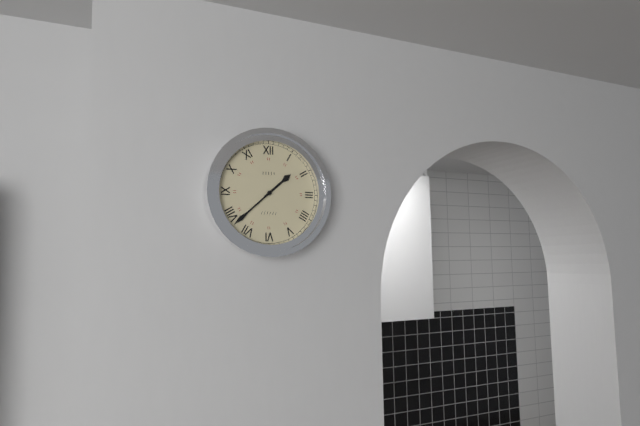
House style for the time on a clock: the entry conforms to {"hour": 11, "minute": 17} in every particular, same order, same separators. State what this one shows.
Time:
{"hour": 1, "minute": 38}
